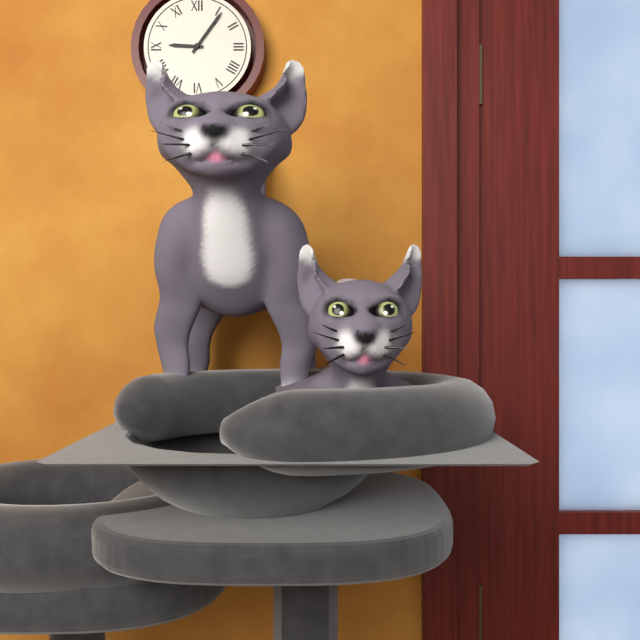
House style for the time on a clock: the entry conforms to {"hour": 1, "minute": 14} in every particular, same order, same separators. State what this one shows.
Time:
{"hour": 9, "minute": 6}
